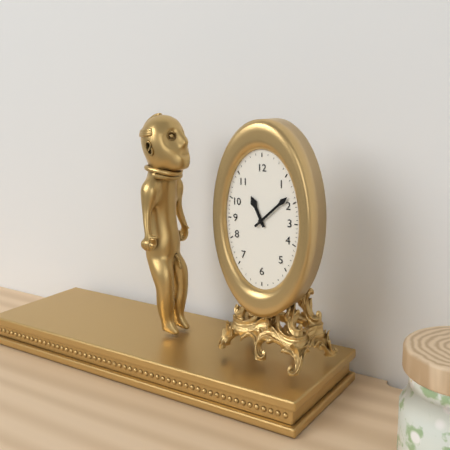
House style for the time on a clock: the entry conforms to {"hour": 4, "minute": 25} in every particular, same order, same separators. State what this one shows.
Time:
{"hour": 11, "minute": 8}
